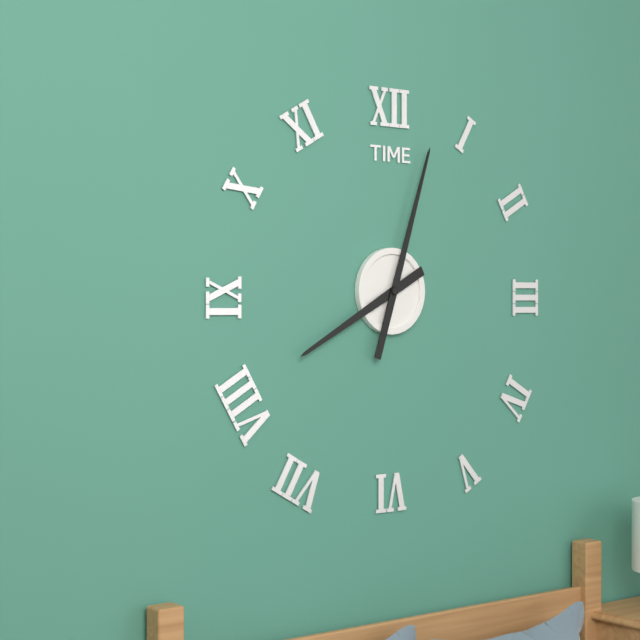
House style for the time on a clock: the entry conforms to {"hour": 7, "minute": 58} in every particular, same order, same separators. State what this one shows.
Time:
{"hour": 8, "minute": 3}
